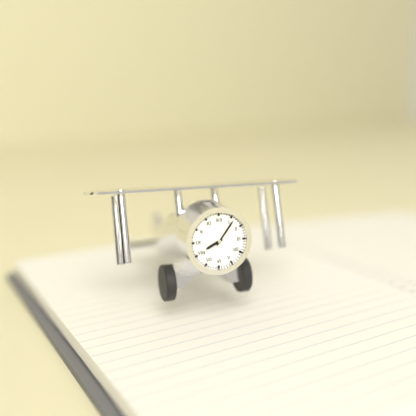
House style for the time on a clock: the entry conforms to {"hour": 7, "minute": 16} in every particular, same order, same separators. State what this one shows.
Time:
{"hour": 8, "minute": 6}
